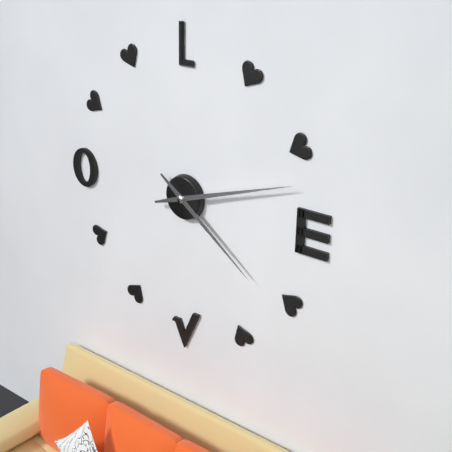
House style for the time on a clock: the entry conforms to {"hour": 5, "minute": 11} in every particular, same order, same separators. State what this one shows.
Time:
{"hour": 4, "minute": 12}
